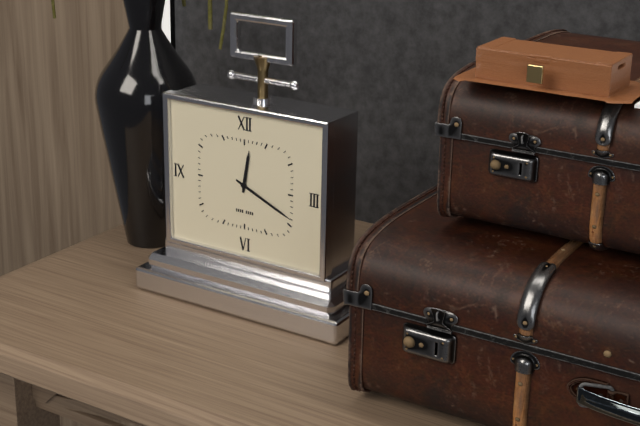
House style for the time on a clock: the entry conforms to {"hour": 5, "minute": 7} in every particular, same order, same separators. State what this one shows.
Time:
{"hour": 12, "minute": 19}
